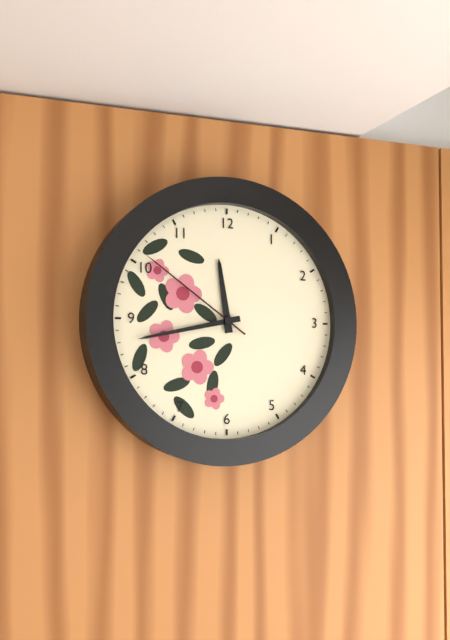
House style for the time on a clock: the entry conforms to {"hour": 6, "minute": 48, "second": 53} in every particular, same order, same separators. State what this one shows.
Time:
{"hour": 11, "minute": 43, "second": 51}
